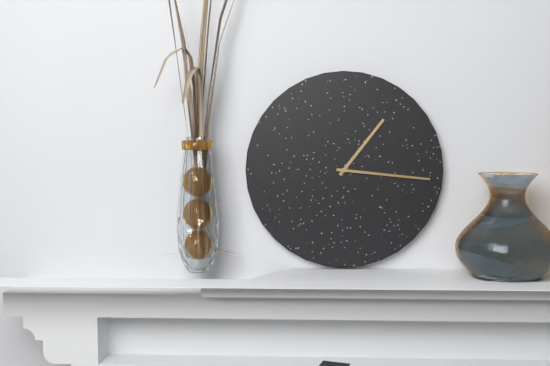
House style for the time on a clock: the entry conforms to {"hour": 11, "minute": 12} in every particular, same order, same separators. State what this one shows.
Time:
{"hour": 1, "minute": 16}
